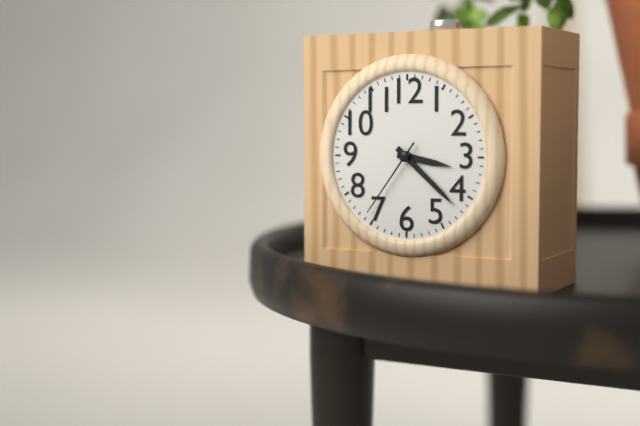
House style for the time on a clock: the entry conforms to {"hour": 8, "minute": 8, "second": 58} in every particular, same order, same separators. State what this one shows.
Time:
{"hour": 3, "minute": 22, "second": 36}
